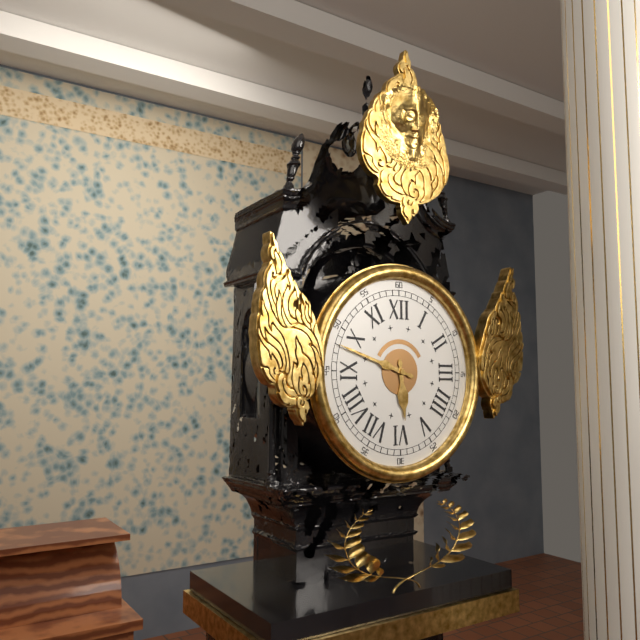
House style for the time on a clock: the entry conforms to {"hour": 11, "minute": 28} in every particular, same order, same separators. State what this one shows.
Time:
{"hour": 5, "minute": 48}
